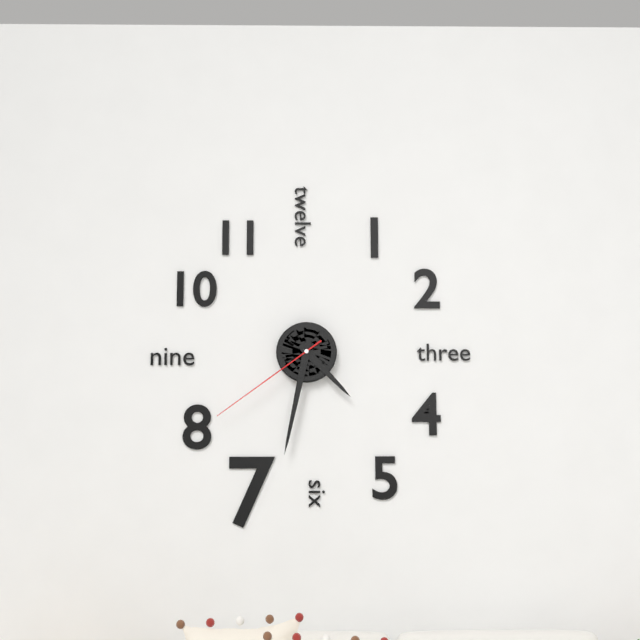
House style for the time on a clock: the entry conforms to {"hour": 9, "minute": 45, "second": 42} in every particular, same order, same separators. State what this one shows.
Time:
{"hour": 4, "minute": 32, "second": 39}
